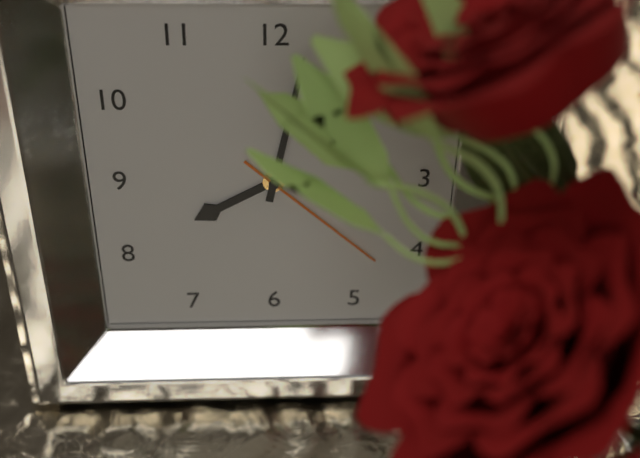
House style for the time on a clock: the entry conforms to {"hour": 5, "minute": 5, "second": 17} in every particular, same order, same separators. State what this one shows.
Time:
{"hour": 8, "minute": 2, "second": 22}
